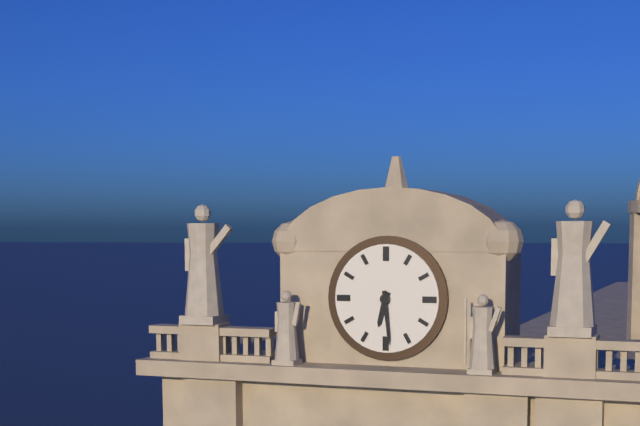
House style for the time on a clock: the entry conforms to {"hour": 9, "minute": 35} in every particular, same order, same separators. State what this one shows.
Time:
{"hour": 6, "minute": 29}
